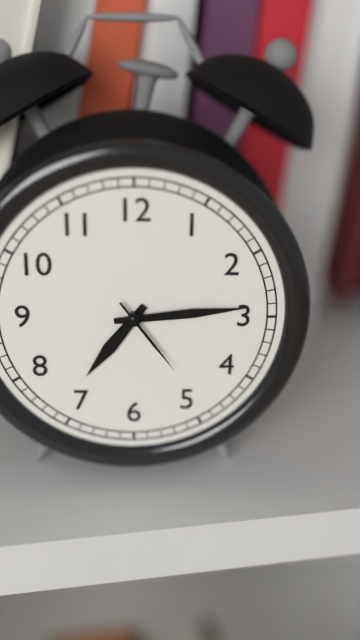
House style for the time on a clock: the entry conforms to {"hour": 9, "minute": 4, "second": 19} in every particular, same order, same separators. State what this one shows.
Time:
{"hour": 7, "minute": 14, "second": 24}
